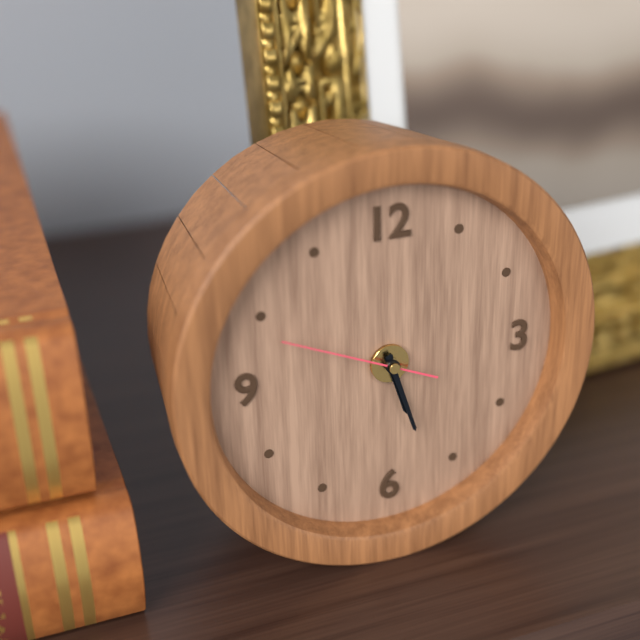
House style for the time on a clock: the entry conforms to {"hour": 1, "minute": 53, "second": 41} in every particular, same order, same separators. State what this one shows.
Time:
{"hour": 5, "minute": 27, "second": 49}
